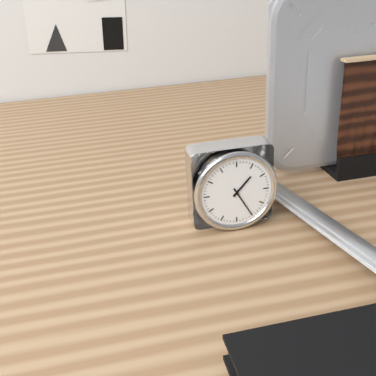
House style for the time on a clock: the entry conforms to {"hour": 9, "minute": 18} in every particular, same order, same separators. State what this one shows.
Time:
{"hour": 1, "minute": 25}
